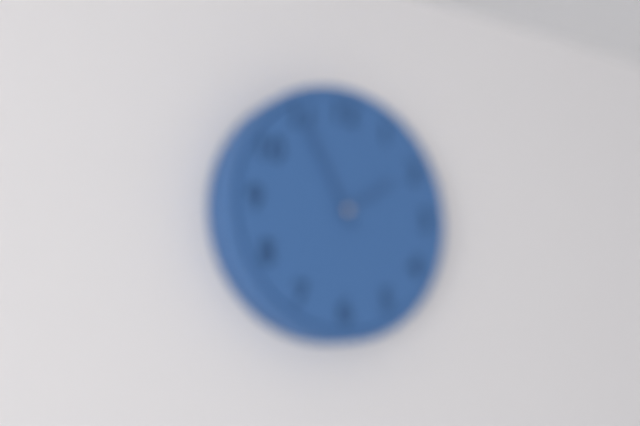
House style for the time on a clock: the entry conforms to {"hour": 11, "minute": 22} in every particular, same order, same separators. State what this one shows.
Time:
{"hour": 1, "minute": 55}
